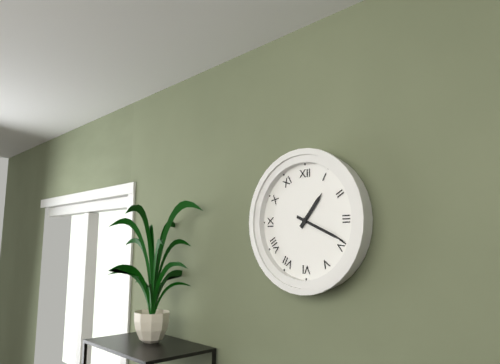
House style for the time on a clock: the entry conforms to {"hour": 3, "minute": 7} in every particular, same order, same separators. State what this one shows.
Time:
{"hour": 1, "minute": 19}
